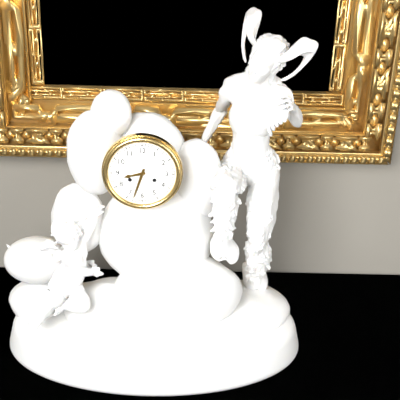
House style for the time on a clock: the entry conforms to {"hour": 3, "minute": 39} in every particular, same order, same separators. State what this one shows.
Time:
{"hour": 8, "minute": 33}
